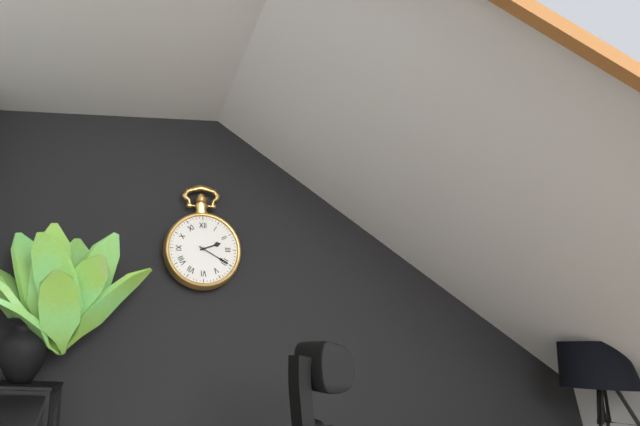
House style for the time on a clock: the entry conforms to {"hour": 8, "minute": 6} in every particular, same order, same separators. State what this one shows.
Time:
{"hour": 2, "minute": 20}
